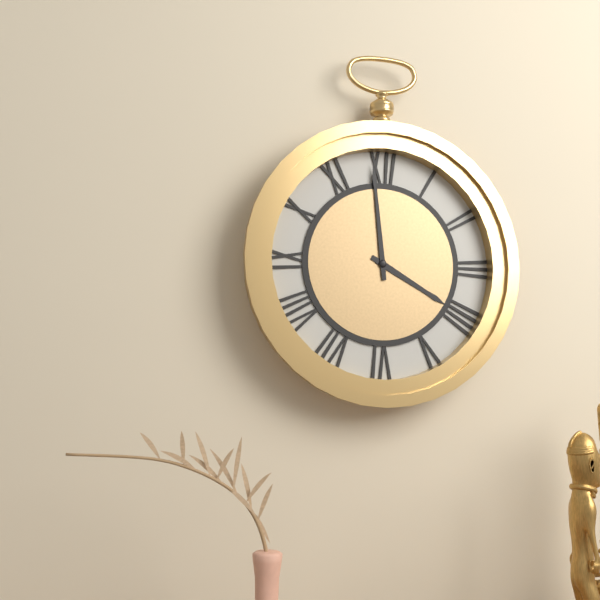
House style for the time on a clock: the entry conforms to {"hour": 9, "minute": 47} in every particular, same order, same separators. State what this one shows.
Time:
{"hour": 3, "minute": 59}
